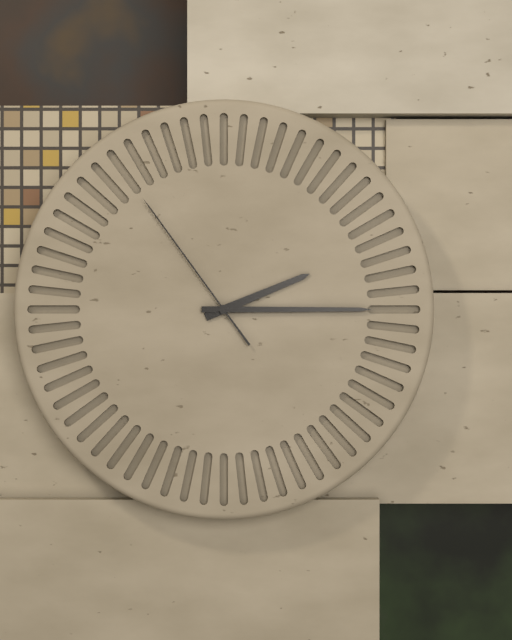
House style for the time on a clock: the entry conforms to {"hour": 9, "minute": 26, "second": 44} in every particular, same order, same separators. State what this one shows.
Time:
{"hour": 2, "minute": 15, "second": 54}
